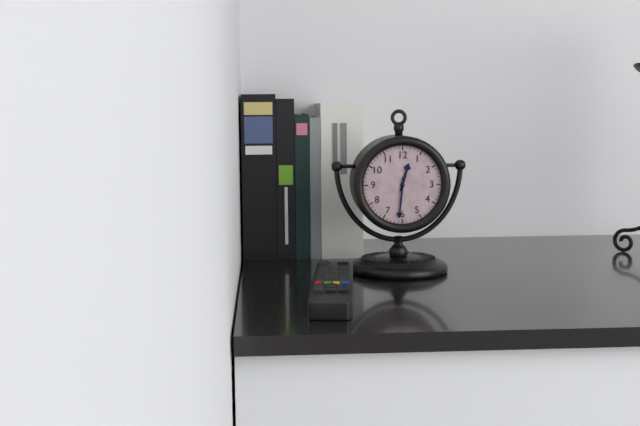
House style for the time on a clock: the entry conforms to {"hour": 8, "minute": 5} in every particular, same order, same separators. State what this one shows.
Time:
{"hour": 12, "minute": 31}
